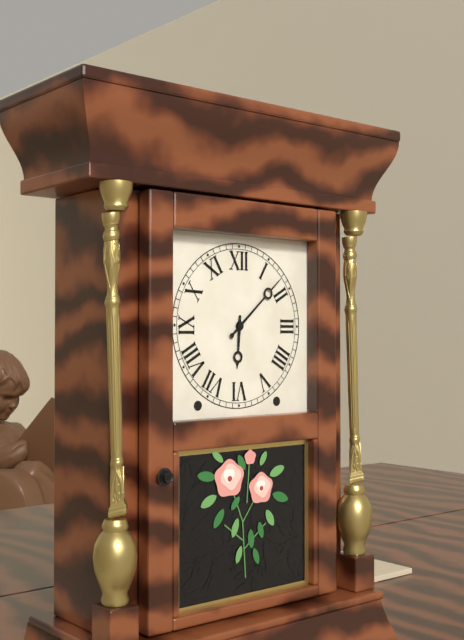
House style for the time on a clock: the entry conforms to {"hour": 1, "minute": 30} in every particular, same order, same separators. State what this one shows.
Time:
{"hour": 6, "minute": 8}
